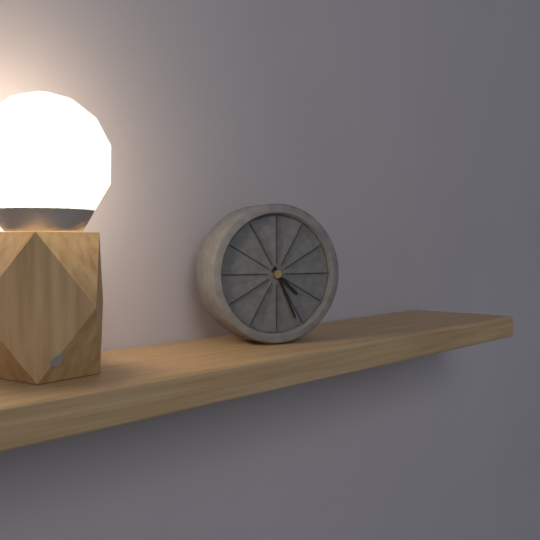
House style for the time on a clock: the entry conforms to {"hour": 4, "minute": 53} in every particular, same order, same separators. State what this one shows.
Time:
{"hour": 4, "minute": 26}
